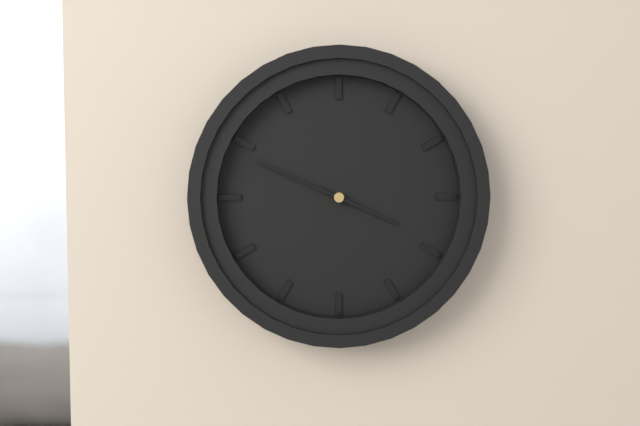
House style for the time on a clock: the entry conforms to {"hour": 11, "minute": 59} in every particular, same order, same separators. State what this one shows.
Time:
{"hour": 3, "minute": 49}
